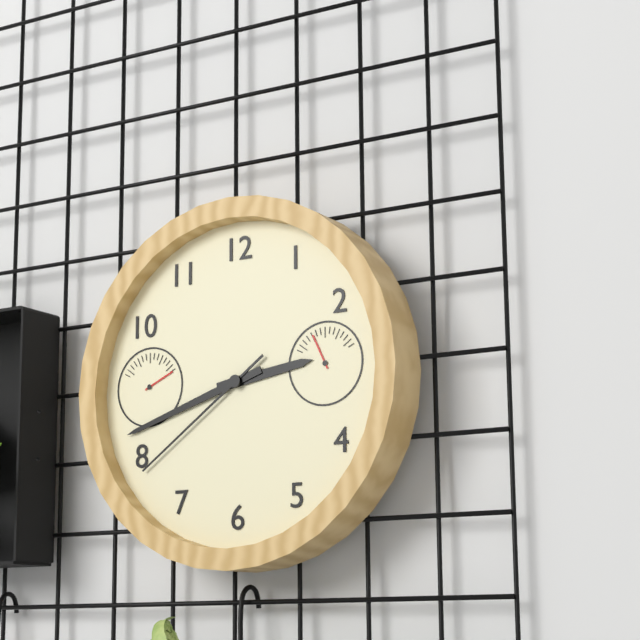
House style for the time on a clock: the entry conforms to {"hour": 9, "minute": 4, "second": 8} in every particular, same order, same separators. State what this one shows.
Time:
{"hour": 2, "minute": 42, "second": 39}
